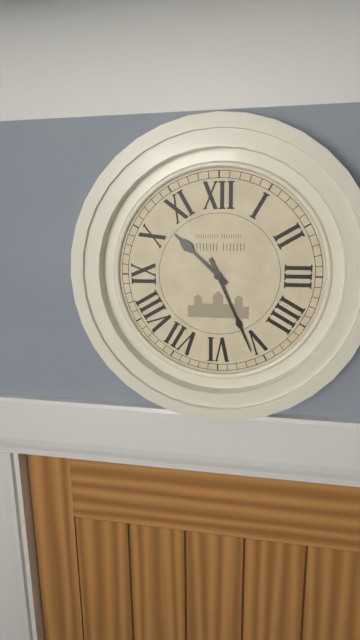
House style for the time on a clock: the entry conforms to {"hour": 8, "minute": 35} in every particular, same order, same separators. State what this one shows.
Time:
{"hour": 10, "minute": 26}
